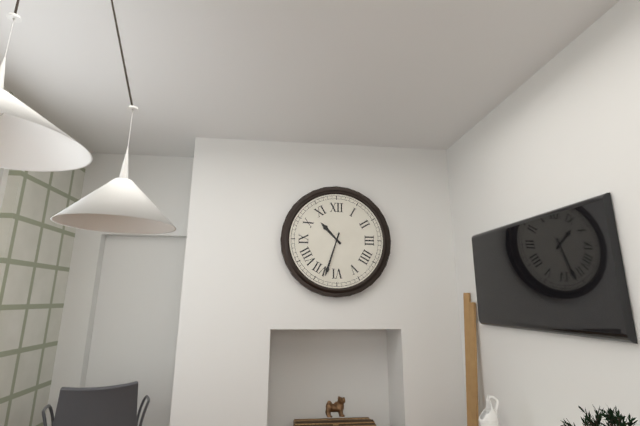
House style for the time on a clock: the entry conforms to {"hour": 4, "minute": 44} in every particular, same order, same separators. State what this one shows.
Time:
{"hour": 10, "minute": 33}
